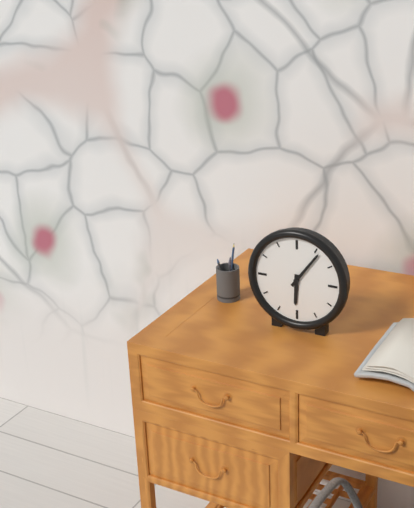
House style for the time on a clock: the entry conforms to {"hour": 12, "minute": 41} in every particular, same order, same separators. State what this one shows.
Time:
{"hour": 6, "minute": 6}
